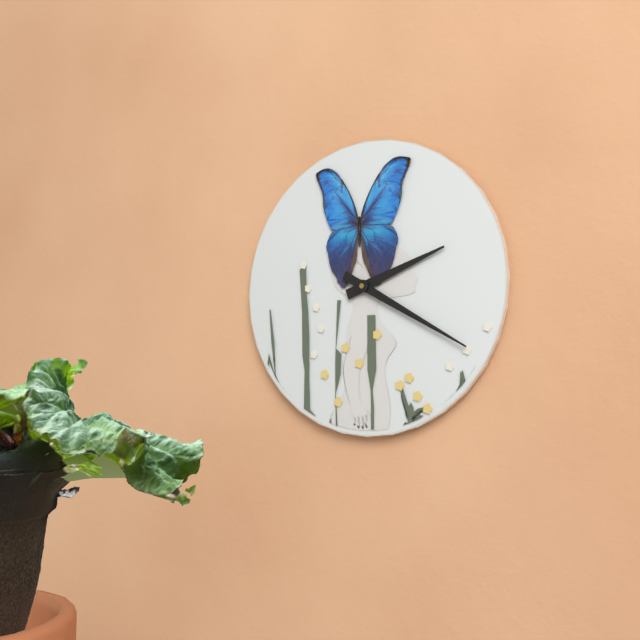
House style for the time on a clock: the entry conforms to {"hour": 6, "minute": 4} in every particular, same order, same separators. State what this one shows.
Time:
{"hour": 2, "minute": 20}
